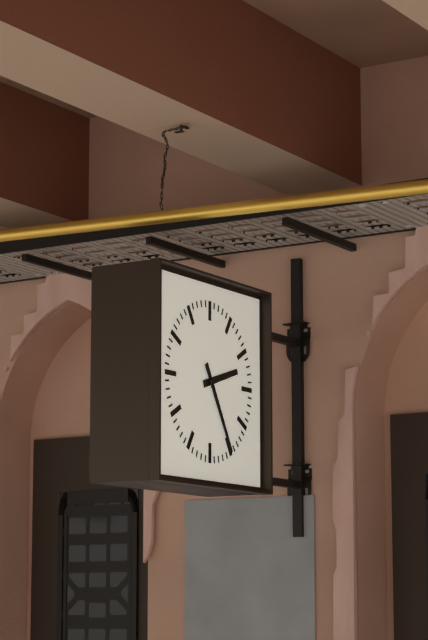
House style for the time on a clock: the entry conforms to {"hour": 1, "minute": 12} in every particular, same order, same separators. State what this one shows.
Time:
{"hour": 2, "minute": 25}
